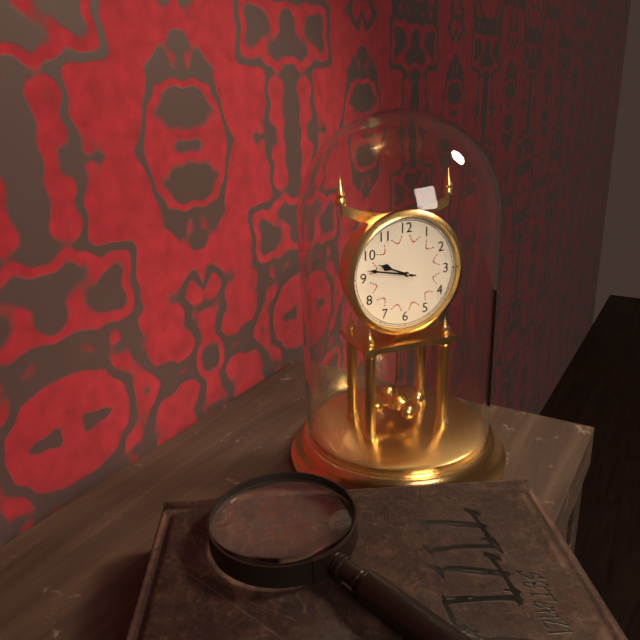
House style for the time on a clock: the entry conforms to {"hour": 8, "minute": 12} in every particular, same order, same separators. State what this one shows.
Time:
{"hour": 9, "minute": 47}
